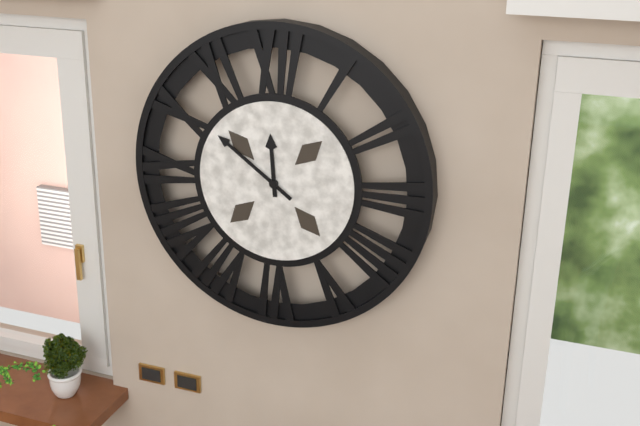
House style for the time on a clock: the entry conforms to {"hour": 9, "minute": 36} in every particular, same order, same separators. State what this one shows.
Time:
{"hour": 11, "minute": 51}
